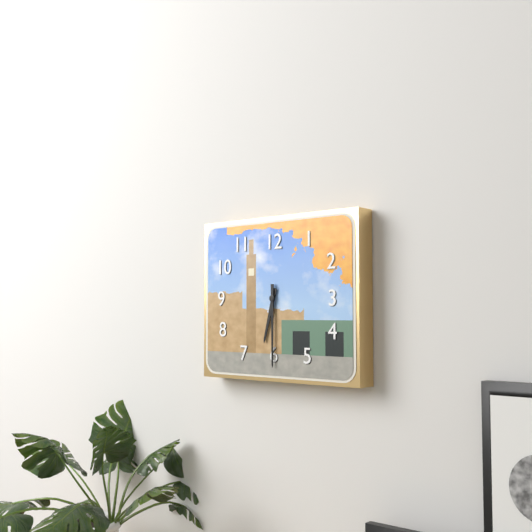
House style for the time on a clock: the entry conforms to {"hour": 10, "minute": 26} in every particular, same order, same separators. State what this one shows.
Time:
{"hour": 6, "minute": 30}
